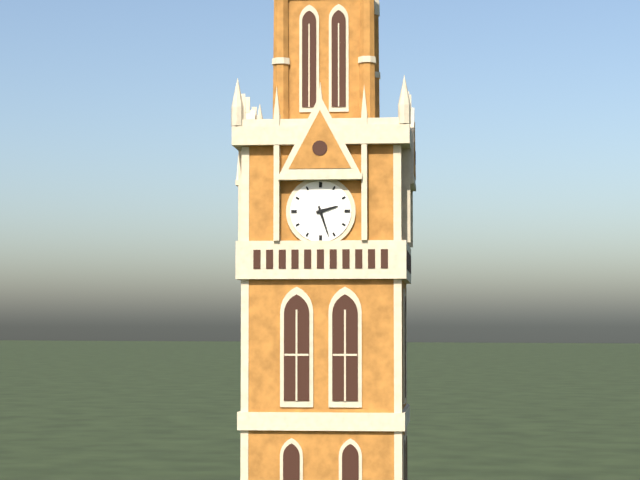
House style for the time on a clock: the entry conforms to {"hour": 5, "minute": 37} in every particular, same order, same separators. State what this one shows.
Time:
{"hour": 2, "minute": 27}
